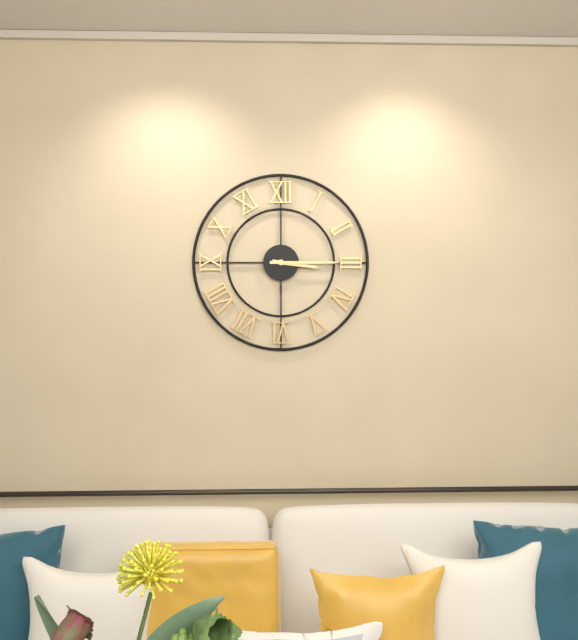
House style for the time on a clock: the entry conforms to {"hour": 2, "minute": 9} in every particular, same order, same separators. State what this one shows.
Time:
{"hour": 3, "minute": 15}
